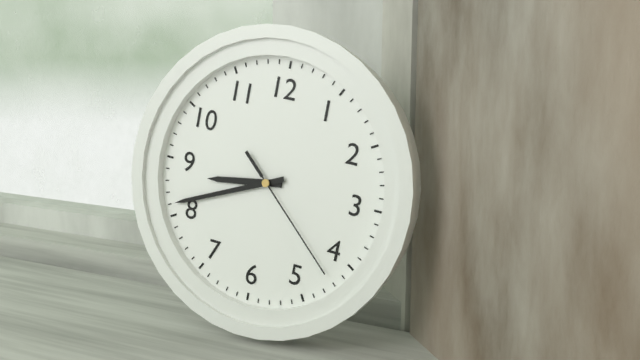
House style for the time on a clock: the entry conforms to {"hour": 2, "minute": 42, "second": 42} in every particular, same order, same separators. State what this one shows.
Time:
{"hour": 8, "minute": 41, "second": 22}
